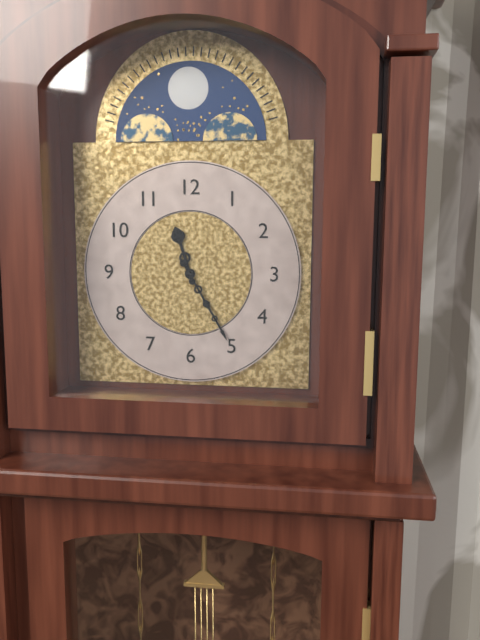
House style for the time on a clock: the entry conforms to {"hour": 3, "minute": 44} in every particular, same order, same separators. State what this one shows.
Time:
{"hour": 11, "minute": 25}
